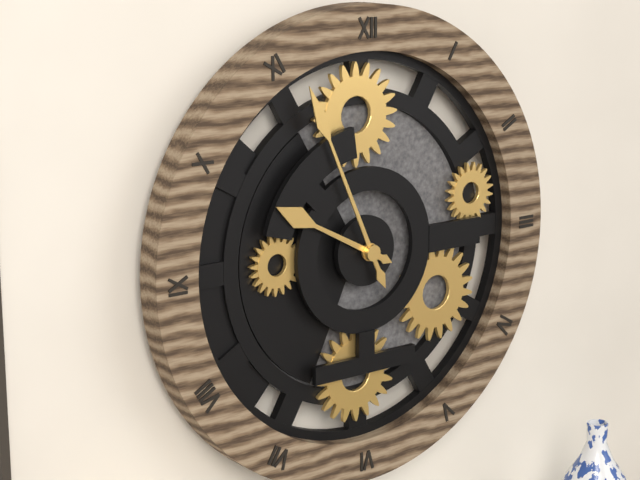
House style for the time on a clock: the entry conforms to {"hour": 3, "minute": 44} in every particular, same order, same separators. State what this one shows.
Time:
{"hour": 9, "minute": 56}
